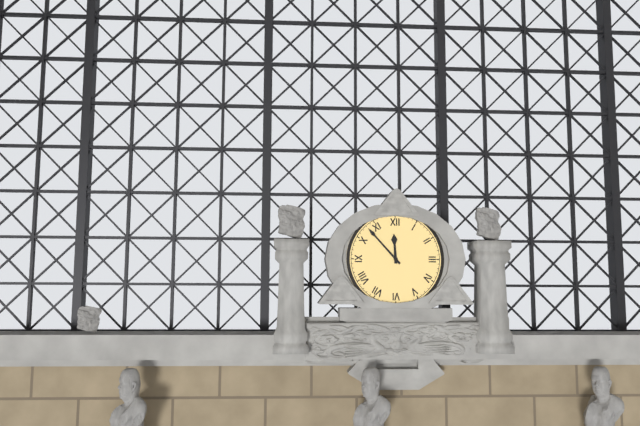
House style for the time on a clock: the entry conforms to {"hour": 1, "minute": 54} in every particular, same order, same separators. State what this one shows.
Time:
{"hour": 11, "minute": 53}
